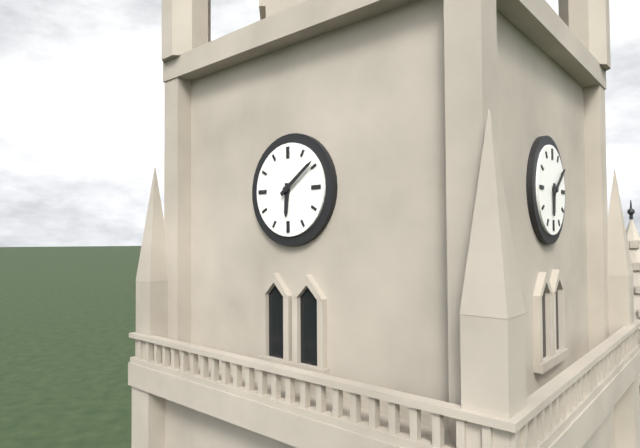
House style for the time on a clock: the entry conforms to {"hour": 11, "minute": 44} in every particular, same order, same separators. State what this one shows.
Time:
{"hour": 6, "minute": 9}
